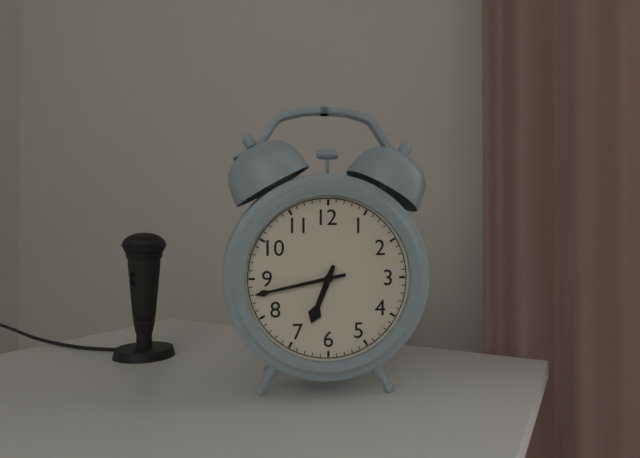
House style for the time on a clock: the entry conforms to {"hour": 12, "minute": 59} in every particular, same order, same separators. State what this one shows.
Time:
{"hour": 6, "minute": 43}
